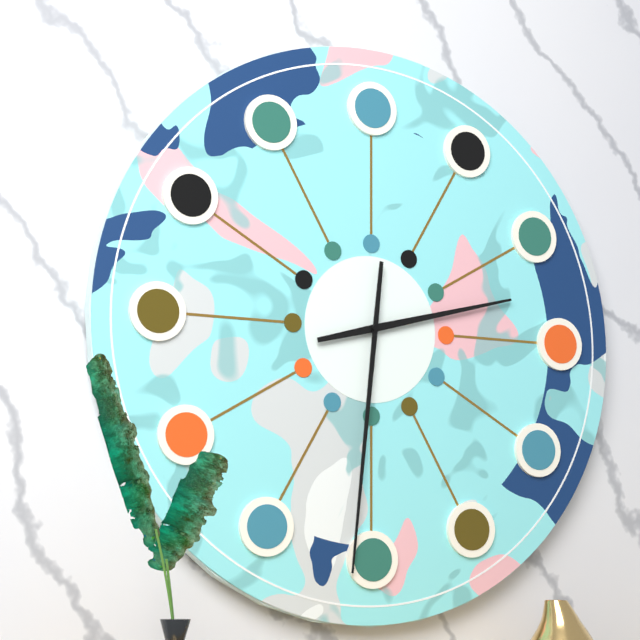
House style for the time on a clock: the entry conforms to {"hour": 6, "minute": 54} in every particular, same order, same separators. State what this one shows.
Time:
{"hour": 2, "minute": 31}
